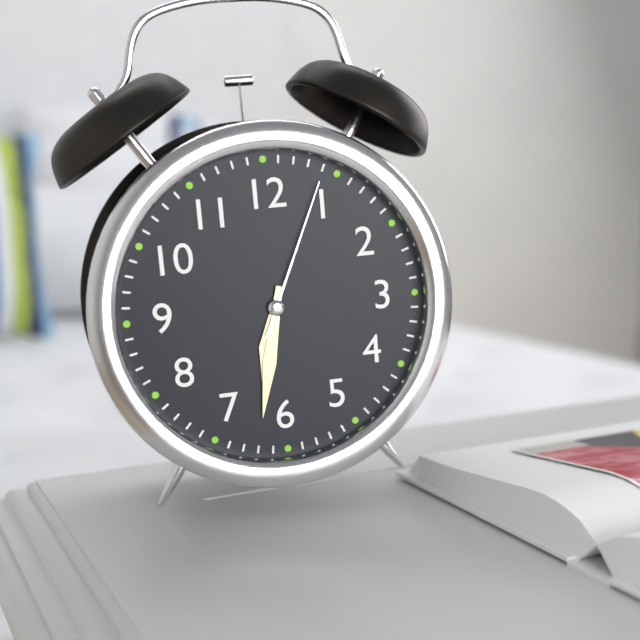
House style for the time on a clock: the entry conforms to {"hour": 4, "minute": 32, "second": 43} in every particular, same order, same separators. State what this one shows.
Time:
{"hour": 6, "minute": 32, "second": 4}
